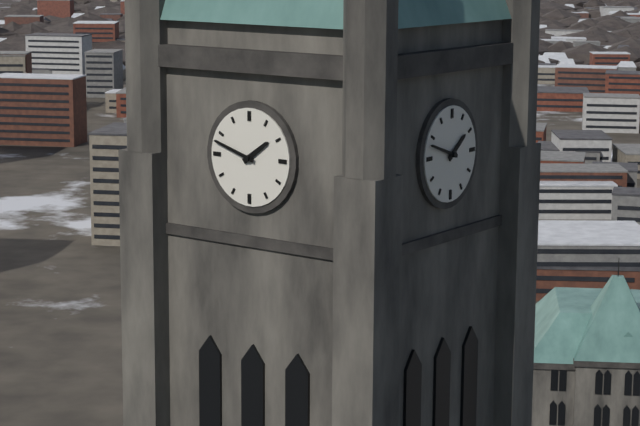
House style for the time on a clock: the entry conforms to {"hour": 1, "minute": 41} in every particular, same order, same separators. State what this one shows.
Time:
{"hour": 1, "minute": 48}
